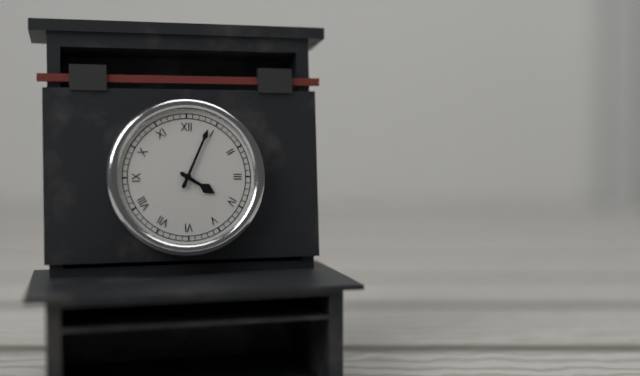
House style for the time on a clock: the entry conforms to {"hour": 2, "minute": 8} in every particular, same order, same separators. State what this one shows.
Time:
{"hour": 4, "minute": 4}
